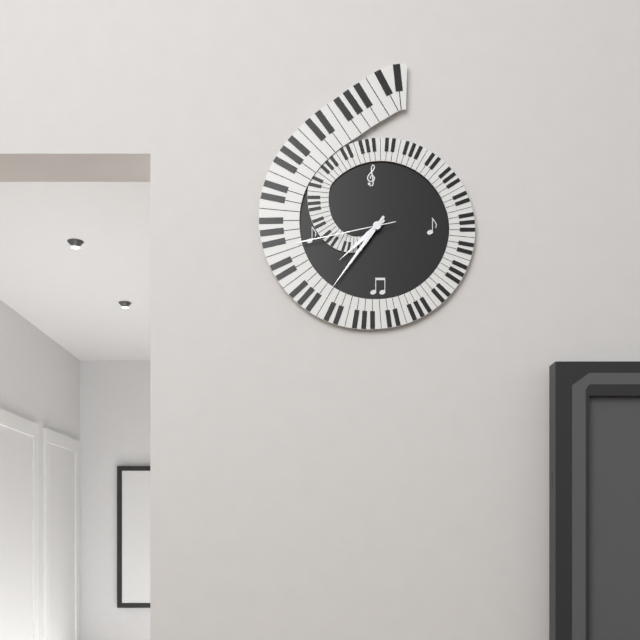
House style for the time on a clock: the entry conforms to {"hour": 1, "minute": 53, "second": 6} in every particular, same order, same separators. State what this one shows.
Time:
{"hour": 7, "minute": 36, "second": 43}
